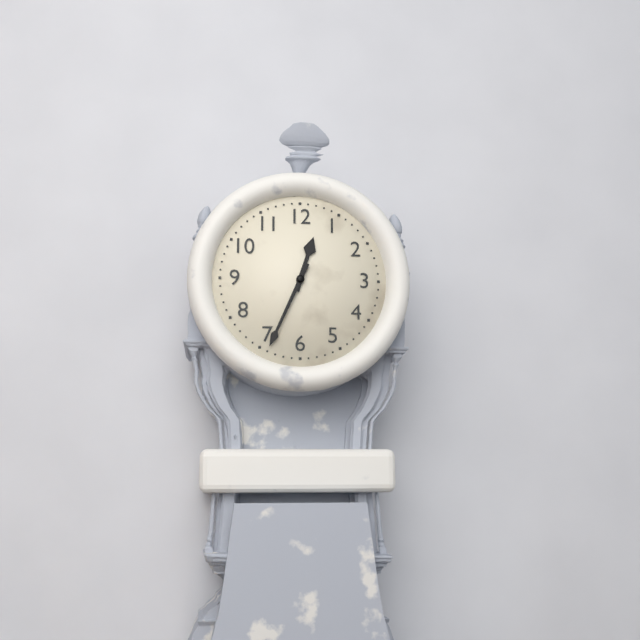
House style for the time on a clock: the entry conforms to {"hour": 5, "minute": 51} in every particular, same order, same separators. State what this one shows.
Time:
{"hour": 12, "minute": 34}
